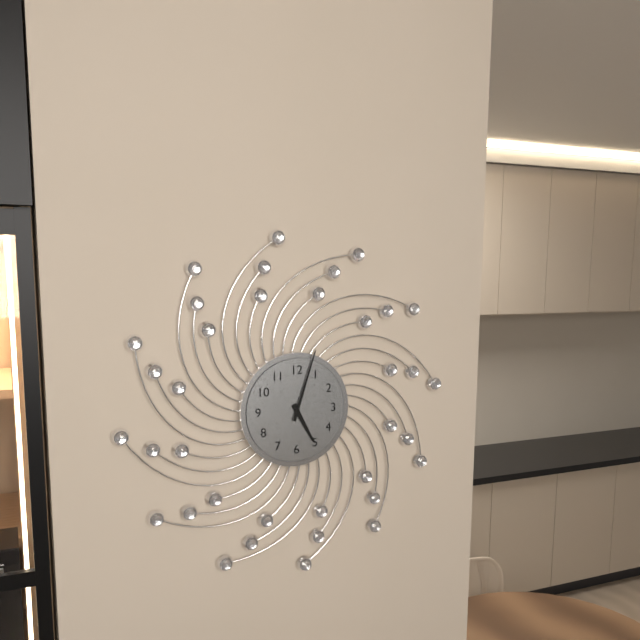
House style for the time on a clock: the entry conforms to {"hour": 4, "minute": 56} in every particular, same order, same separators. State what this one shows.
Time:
{"hour": 5, "minute": 3}
